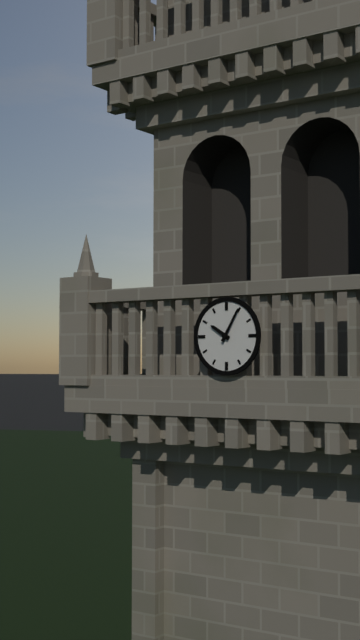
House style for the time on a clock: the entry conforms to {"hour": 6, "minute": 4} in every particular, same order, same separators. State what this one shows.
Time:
{"hour": 10, "minute": 5}
